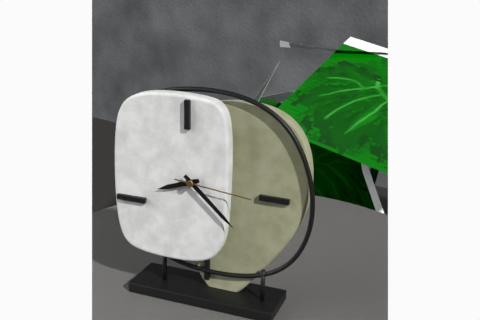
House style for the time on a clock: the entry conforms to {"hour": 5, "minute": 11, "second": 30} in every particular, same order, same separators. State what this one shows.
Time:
{"hour": 8, "minute": 22, "second": 16}
